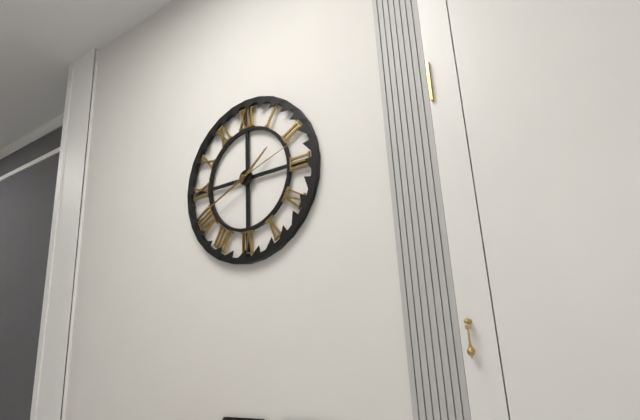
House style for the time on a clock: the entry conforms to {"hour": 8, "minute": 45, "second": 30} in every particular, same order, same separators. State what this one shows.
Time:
{"hour": 1, "minute": 41, "second": 12}
